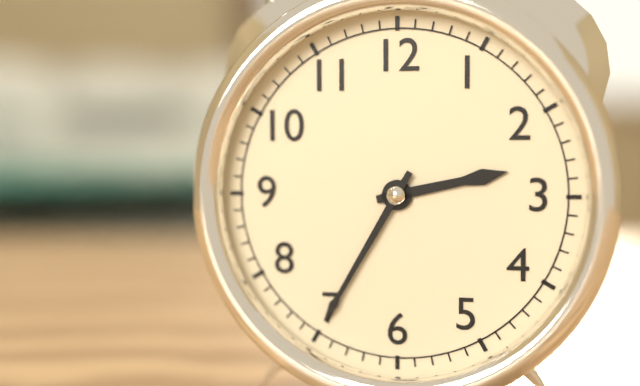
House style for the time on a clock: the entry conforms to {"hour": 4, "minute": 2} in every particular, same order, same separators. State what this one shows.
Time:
{"hour": 2, "minute": 35}
